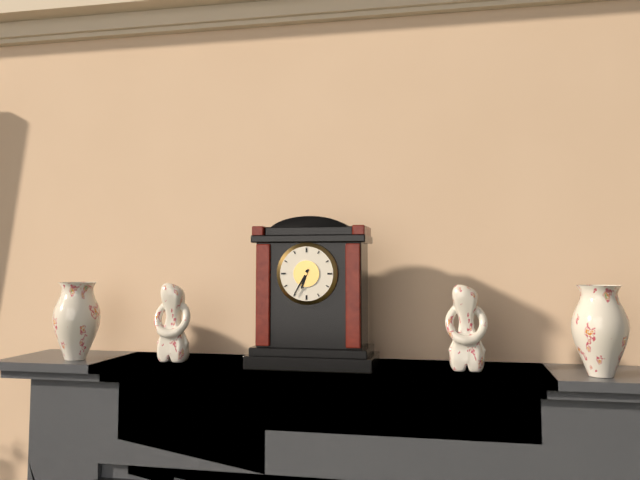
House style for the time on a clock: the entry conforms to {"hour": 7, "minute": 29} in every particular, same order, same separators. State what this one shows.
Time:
{"hour": 6, "minute": 35}
